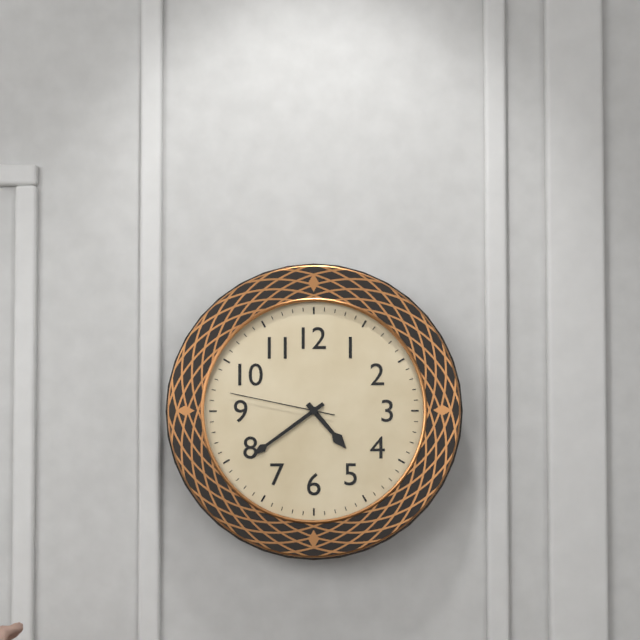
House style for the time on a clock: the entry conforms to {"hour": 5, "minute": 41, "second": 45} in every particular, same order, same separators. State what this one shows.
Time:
{"hour": 4, "minute": 39, "second": 47}
